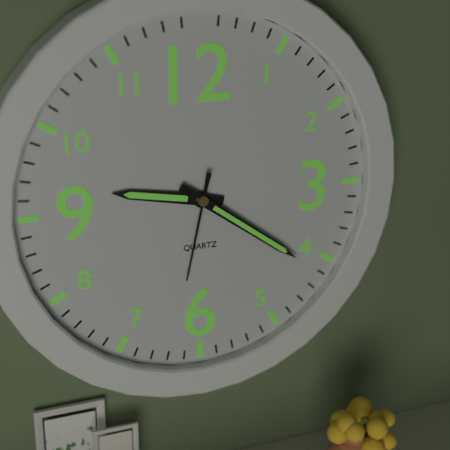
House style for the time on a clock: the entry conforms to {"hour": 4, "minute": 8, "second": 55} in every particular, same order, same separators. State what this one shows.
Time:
{"hour": 9, "minute": 21, "second": 32}
